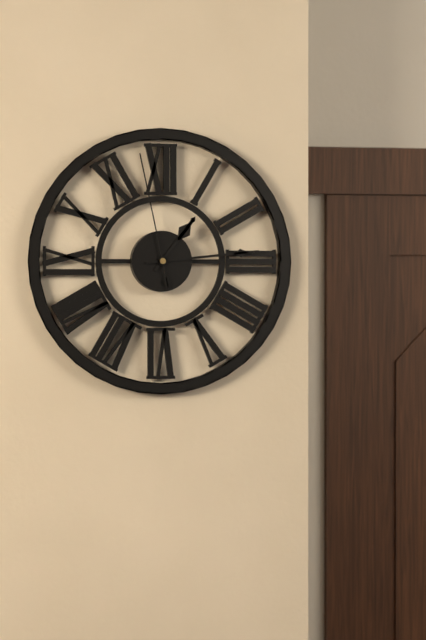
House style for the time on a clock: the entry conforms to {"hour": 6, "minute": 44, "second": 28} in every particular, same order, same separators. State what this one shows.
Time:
{"hour": 1, "minute": 14, "second": 58}
